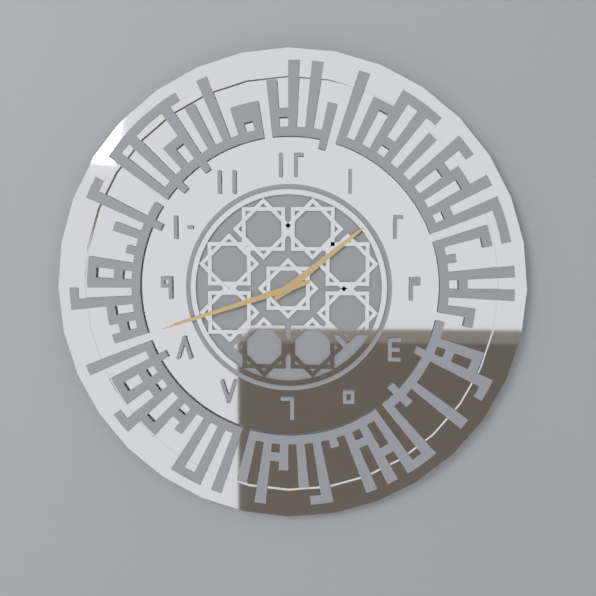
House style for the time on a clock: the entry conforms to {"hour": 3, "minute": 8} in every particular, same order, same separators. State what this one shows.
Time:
{"hour": 1, "minute": 42}
